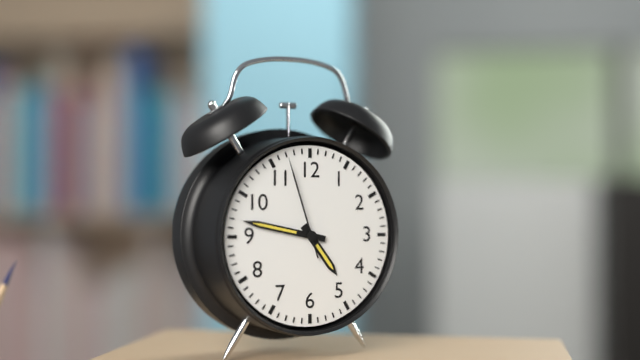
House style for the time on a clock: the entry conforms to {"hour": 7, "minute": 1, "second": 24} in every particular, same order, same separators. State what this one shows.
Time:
{"hour": 4, "minute": 47, "second": 57}
